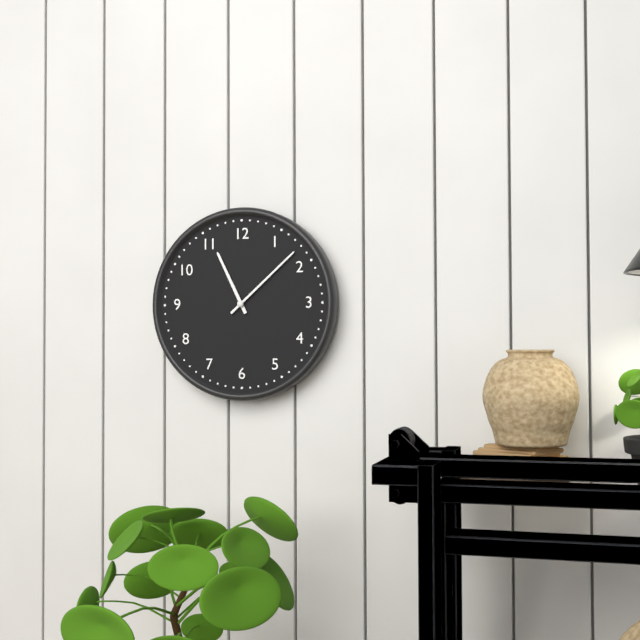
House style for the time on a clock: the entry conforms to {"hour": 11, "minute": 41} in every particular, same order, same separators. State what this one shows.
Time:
{"hour": 11, "minute": 8}
